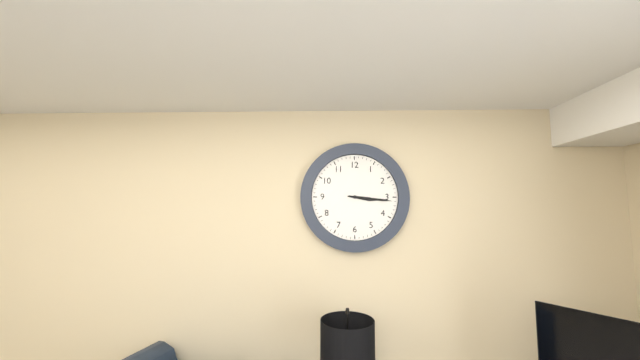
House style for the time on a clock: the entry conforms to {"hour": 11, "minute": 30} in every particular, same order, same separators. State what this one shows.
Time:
{"hour": 3, "minute": 16}
